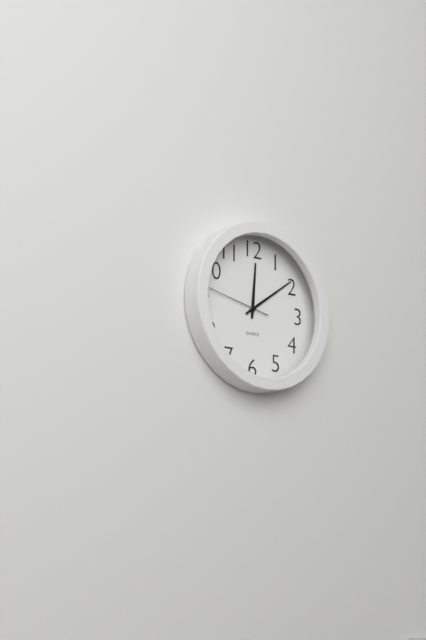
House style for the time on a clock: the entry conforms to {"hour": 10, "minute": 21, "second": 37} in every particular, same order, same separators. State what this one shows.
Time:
{"hour": 12, "minute": 9, "second": 47}
